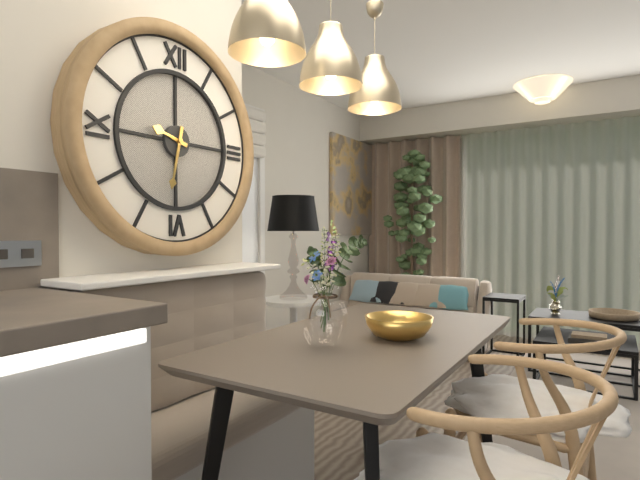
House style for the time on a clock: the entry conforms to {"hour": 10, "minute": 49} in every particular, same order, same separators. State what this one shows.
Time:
{"hour": 9, "minute": 32}
